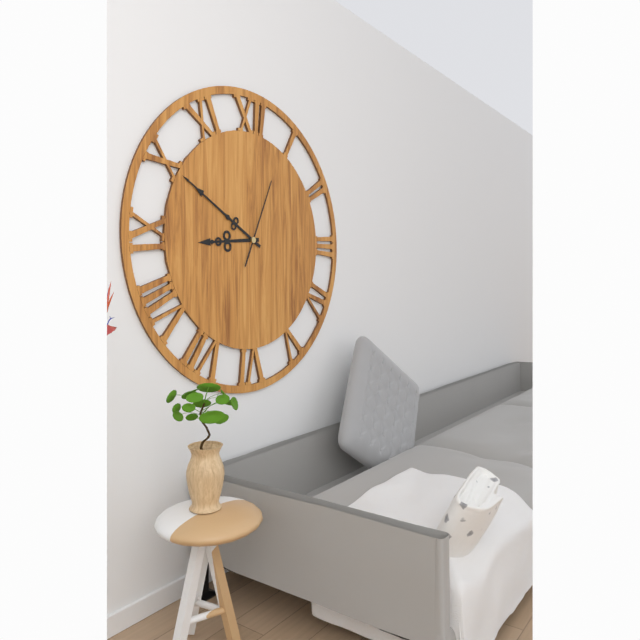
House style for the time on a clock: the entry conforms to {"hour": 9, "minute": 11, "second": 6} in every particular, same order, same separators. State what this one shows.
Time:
{"hour": 8, "minute": 50, "second": 4}
